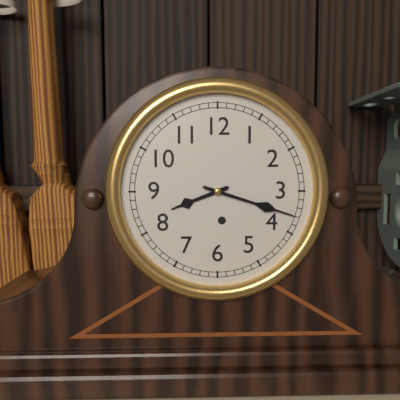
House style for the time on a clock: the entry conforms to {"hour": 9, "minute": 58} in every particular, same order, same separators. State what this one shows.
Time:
{"hour": 8, "minute": 18}
